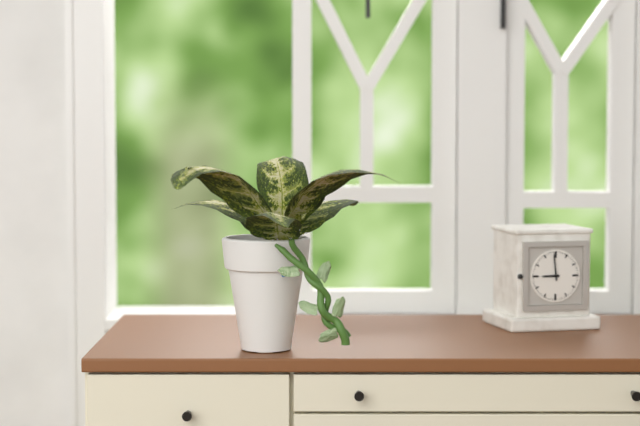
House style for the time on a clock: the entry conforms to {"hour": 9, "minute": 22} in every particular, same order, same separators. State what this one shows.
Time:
{"hour": 8, "minute": 59}
